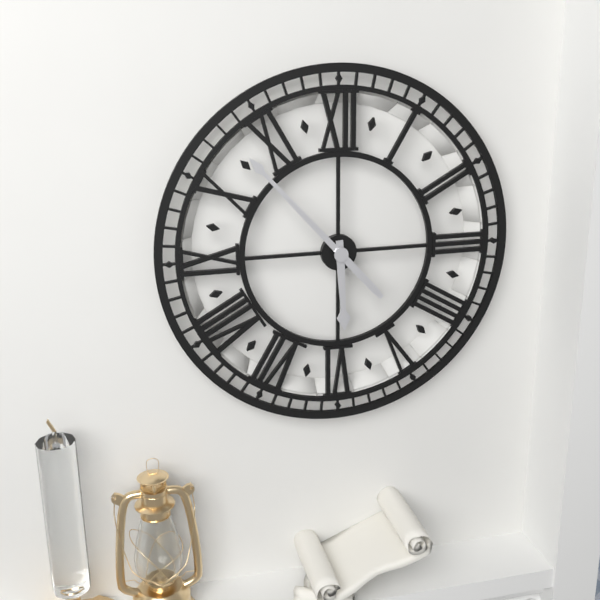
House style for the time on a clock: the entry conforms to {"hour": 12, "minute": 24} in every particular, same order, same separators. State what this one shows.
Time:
{"hour": 5, "minute": 53}
